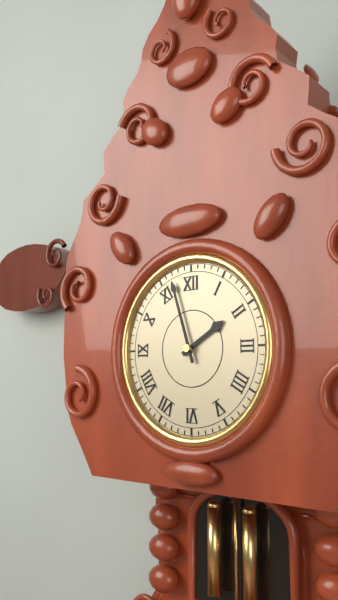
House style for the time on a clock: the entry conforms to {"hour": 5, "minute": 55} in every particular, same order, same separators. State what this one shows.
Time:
{"hour": 1, "minute": 57}
